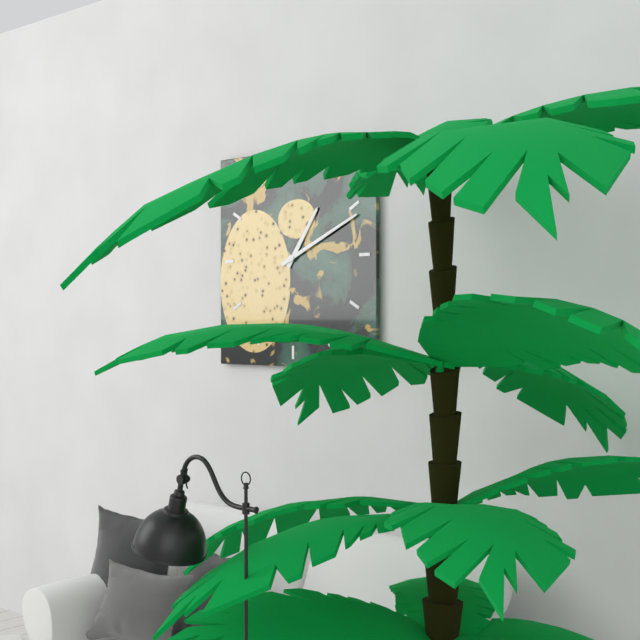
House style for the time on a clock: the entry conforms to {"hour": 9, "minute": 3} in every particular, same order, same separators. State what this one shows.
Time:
{"hour": 1, "minute": 11}
